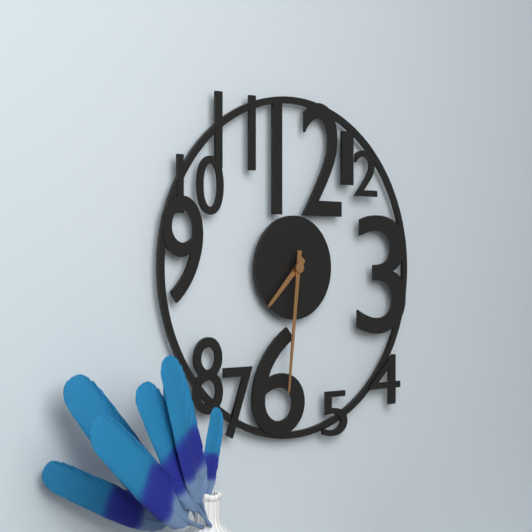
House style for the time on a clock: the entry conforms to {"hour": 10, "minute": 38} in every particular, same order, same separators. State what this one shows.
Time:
{"hour": 7, "minute": 31}
